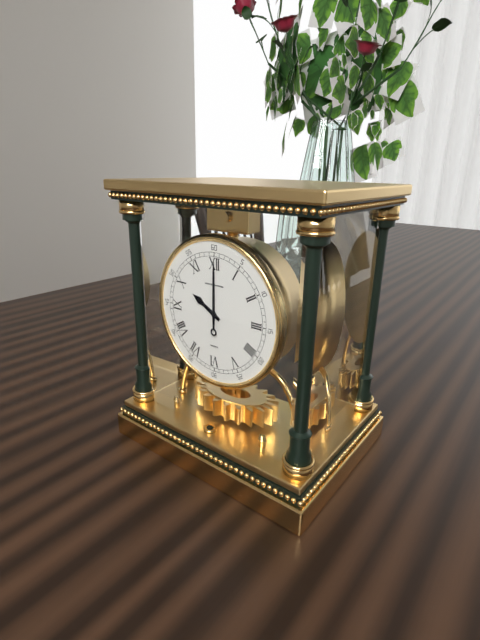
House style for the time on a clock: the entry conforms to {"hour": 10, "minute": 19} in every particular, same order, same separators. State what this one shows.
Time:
{"hour": 10, "minute": 0}
